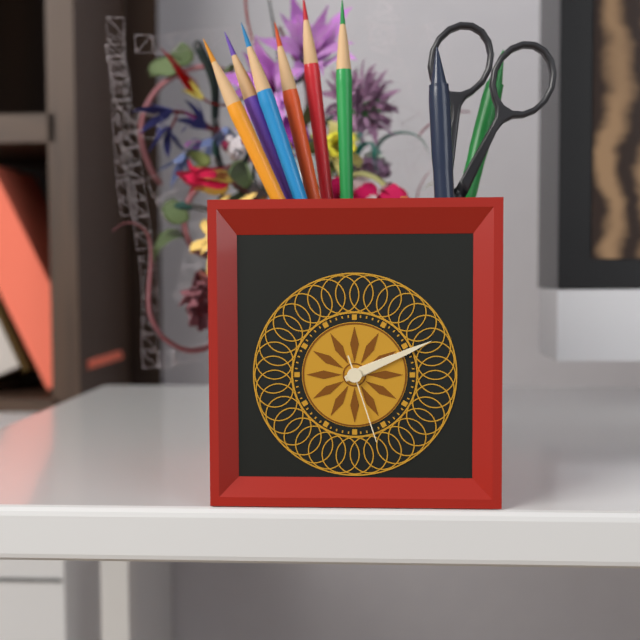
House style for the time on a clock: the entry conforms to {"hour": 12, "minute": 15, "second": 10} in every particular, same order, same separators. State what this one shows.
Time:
{"hour": 2, "minute": 11, "second": 27}
